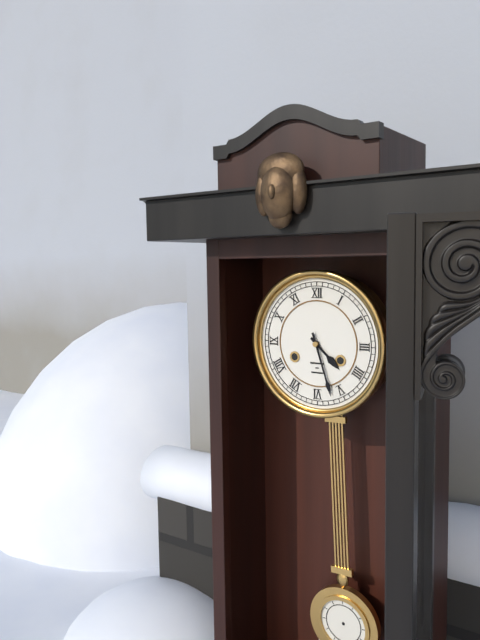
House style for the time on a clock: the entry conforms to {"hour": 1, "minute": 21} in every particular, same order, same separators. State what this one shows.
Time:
{"hour": 4, "minute": 27}
